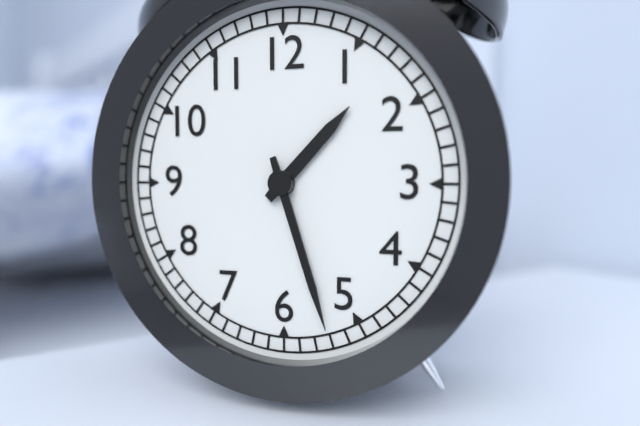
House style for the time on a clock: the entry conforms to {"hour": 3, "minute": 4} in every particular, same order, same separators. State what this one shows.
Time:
{"hour": 1, "minute": 27}
